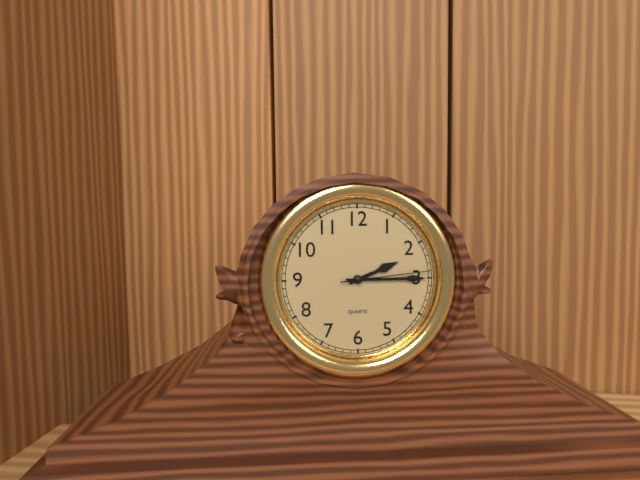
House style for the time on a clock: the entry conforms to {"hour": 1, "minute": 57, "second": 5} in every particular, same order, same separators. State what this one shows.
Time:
{"hour": 2, "minute": 15, "second": 14}
